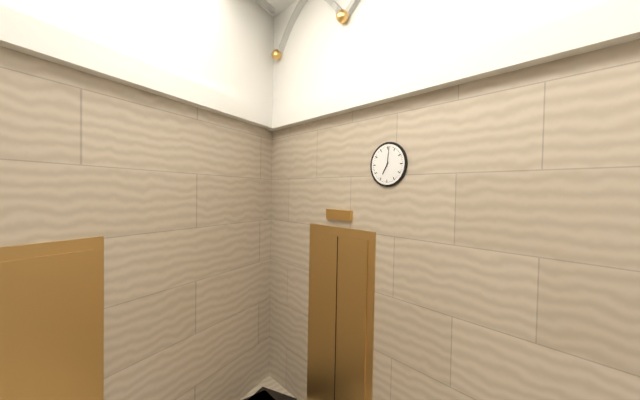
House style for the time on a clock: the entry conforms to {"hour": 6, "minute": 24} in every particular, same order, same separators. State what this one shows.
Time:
{"hour": 7, "minute": 1}
